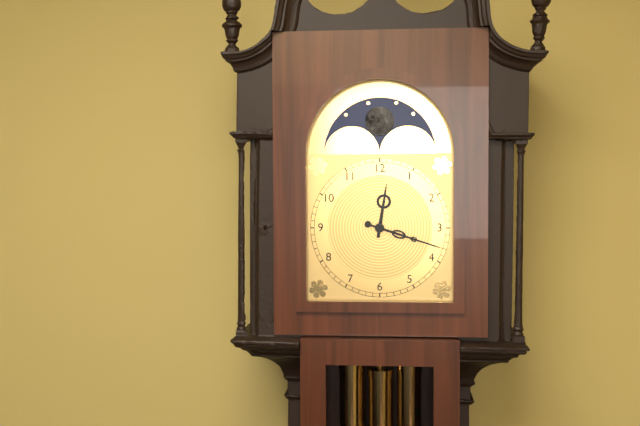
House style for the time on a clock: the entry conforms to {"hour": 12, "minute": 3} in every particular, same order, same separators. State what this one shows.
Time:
{"hour": 12, "minute": 18}
